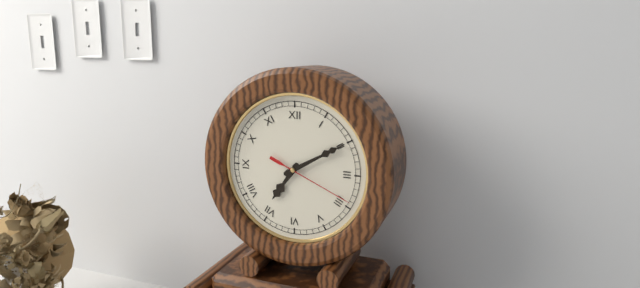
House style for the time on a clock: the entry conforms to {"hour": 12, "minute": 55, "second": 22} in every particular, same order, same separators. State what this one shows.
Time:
{"hour": 7, "minute": 10, "second": 19}
